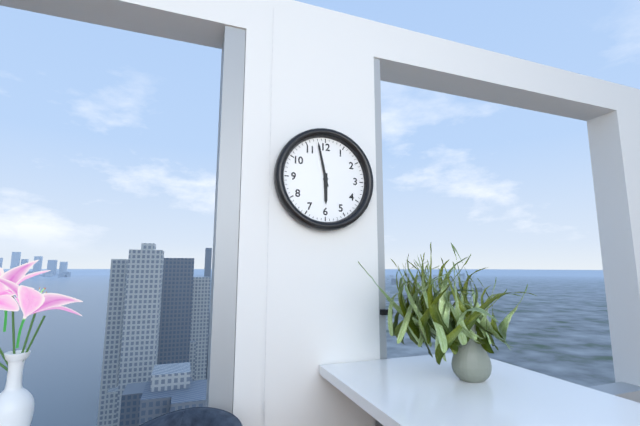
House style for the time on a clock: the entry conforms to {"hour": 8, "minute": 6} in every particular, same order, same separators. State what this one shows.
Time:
{"hour": 5, "minute": 58}
